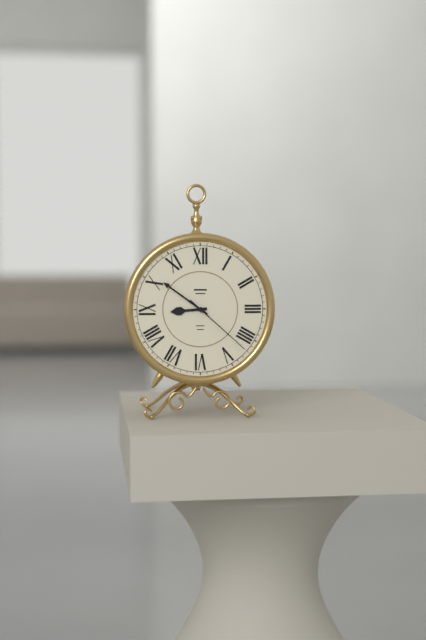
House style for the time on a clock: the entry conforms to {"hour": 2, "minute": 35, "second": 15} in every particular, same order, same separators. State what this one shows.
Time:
{"hour": 8, "minute": 51, "second": 22}
